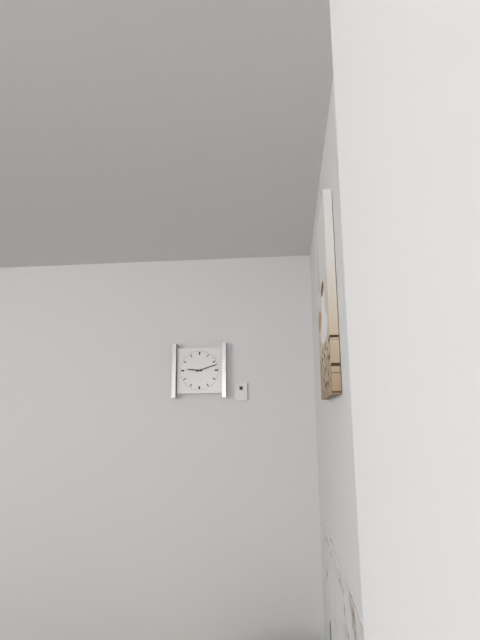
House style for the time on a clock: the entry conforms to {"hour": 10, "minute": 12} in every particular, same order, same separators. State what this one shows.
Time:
{"hour": 9, "minute": 12}
